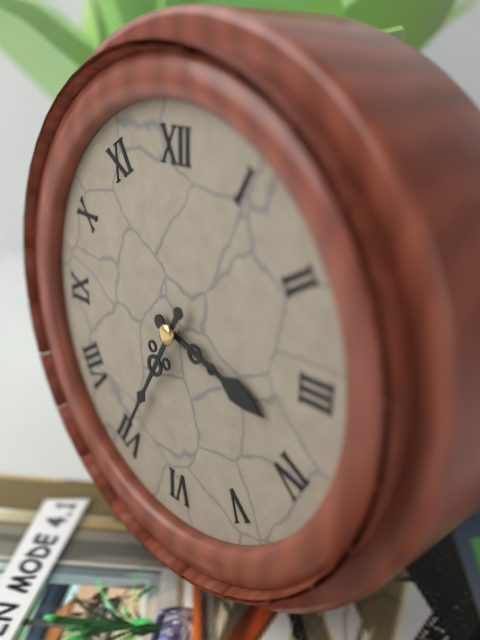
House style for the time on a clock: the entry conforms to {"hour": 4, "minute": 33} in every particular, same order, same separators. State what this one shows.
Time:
{"hour": 3, "minute": 35}
